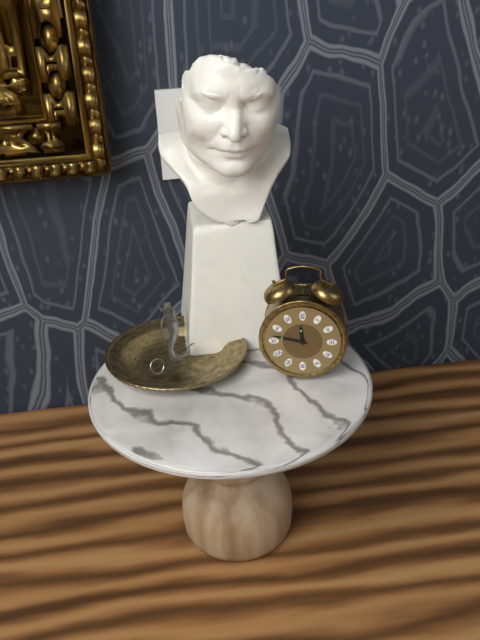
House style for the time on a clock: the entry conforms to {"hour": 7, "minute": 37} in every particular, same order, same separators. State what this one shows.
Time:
{"hour": 11, "minute": 47}
